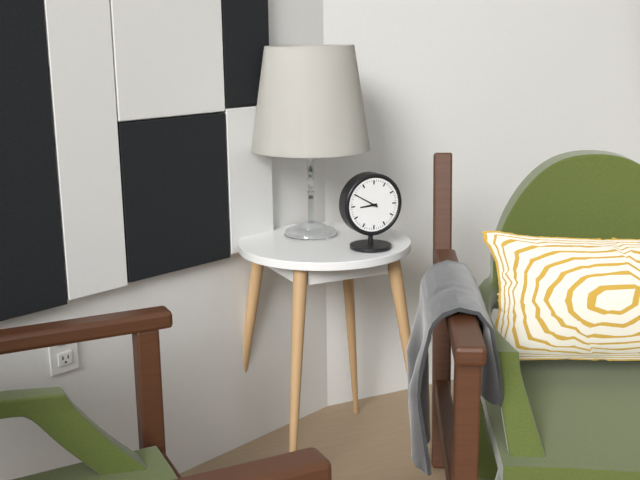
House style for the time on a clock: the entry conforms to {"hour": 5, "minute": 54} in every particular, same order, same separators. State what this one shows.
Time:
{"hour": 8, "minute": 50}
